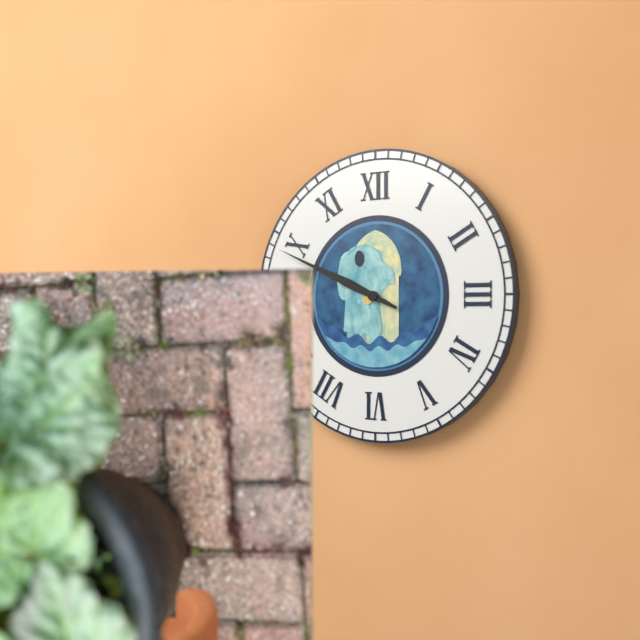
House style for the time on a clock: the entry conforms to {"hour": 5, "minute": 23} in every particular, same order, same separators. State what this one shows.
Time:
{"hour": 9, "minute": 49}
